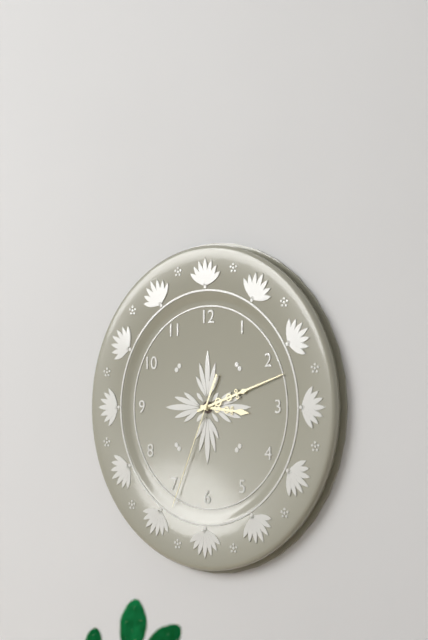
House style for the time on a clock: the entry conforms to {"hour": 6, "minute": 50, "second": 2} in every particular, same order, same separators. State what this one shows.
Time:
{"hour": 3, "minute": 12, "second": 34}
